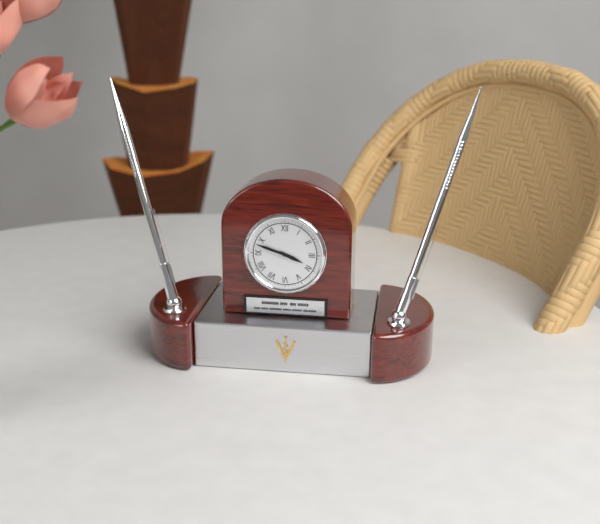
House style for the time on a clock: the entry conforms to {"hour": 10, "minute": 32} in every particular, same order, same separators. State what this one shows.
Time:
{"hour": 3, "minute": 48}
